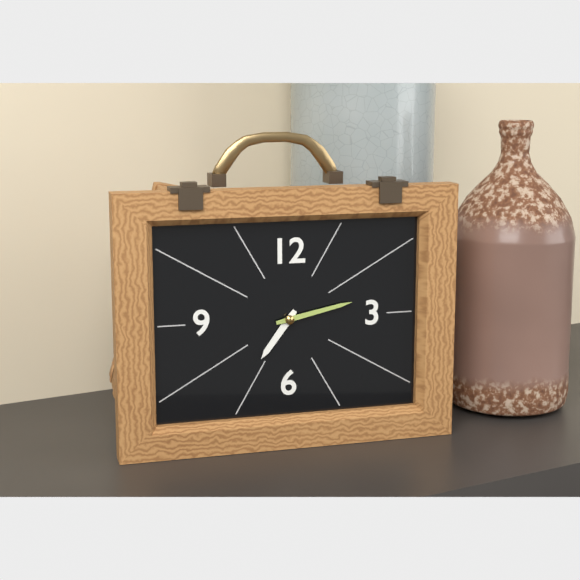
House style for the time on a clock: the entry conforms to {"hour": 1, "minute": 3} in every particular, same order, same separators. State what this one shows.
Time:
{"hour": 7, "minute": 13}
